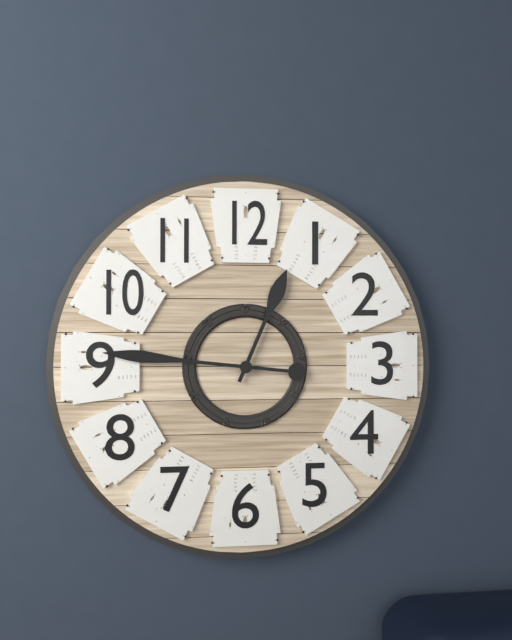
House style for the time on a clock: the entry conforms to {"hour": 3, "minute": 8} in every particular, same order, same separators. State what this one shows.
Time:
{"hour": 12, "minute": 46}
